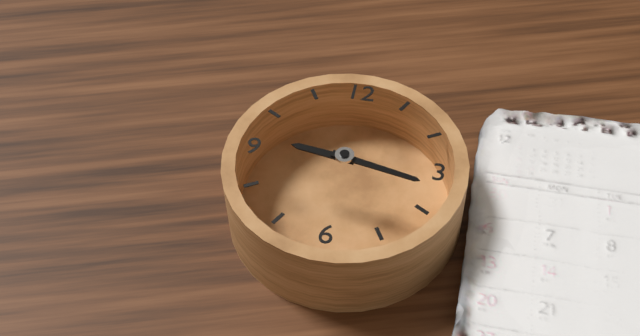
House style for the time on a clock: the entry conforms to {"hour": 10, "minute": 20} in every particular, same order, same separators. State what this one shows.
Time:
{"hour": 9, "minute": 17}
